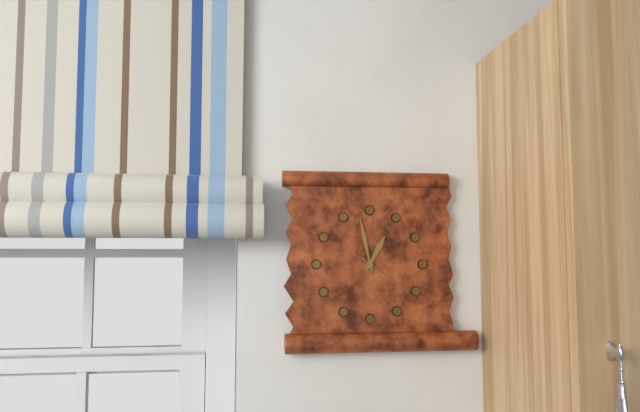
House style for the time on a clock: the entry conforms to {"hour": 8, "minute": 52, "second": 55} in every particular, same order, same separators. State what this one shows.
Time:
{"hour": 12, "minute": 58, "second": 21}
